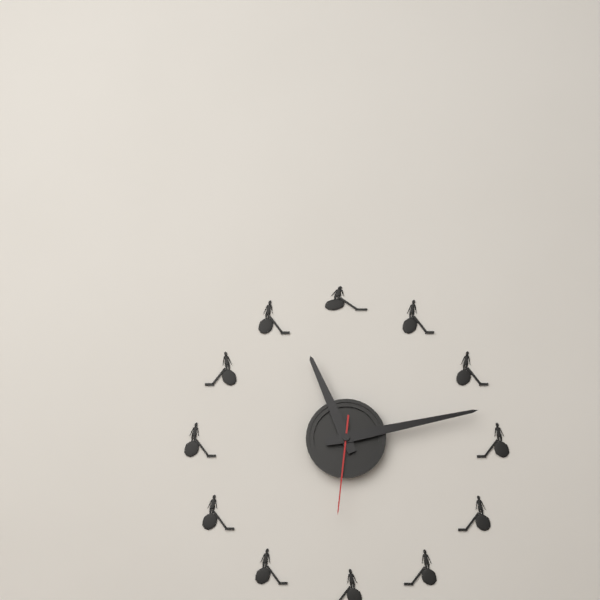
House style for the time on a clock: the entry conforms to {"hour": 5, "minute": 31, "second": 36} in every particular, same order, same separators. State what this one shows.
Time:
{"hour": 11, "minute": 13, "second": 31}
